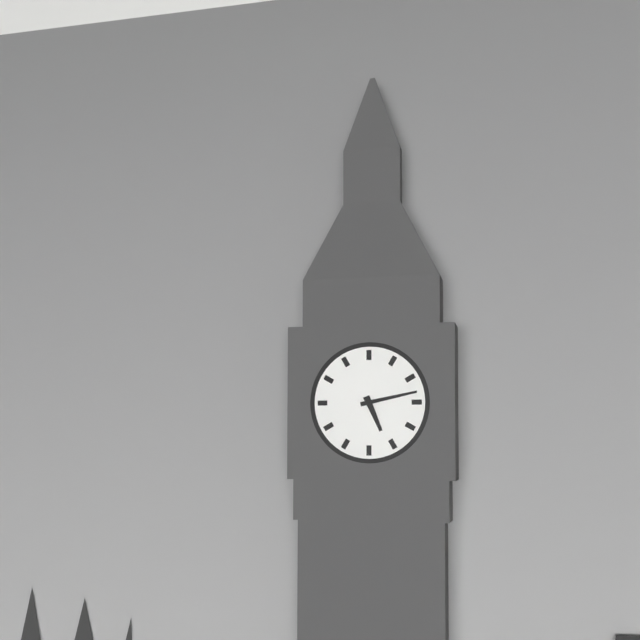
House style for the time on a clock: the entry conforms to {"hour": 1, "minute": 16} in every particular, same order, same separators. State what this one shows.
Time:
{"hour": 5, "minute": 13}
